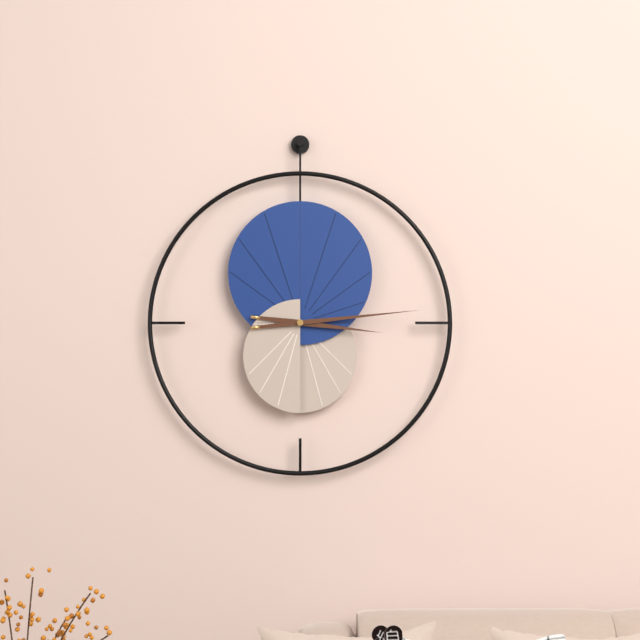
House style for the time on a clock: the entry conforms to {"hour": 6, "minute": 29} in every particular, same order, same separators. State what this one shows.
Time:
{"hour": 3, "minute": 14}
